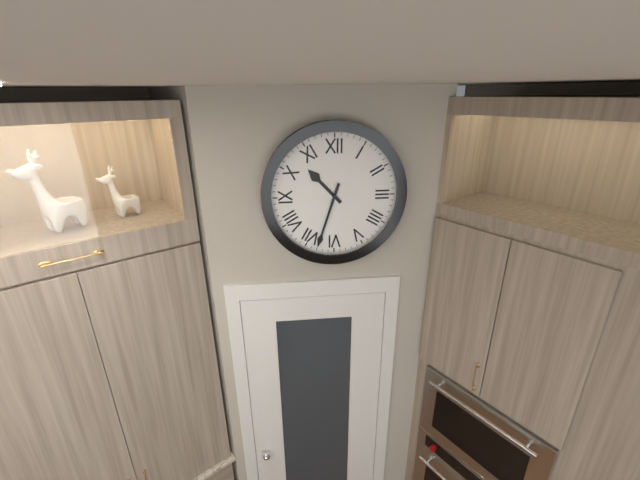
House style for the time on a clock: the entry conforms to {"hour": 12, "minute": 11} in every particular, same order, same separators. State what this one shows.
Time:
{"hour": 10, "minute": 33}
